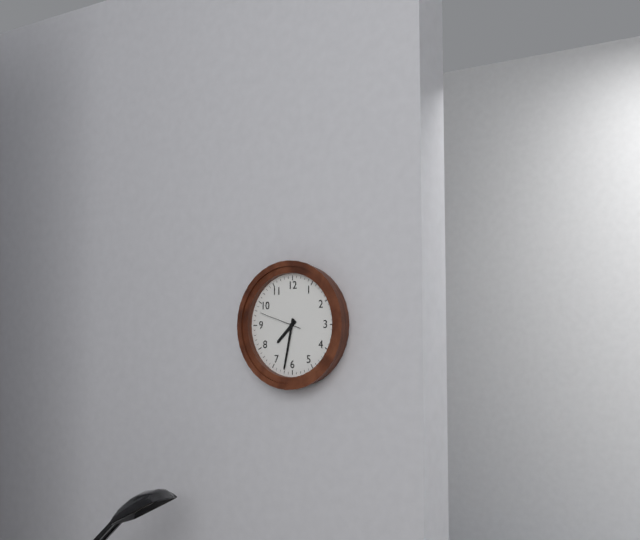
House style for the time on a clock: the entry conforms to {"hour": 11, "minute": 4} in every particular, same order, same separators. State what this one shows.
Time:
{"hour": 7, "minute": 32}
